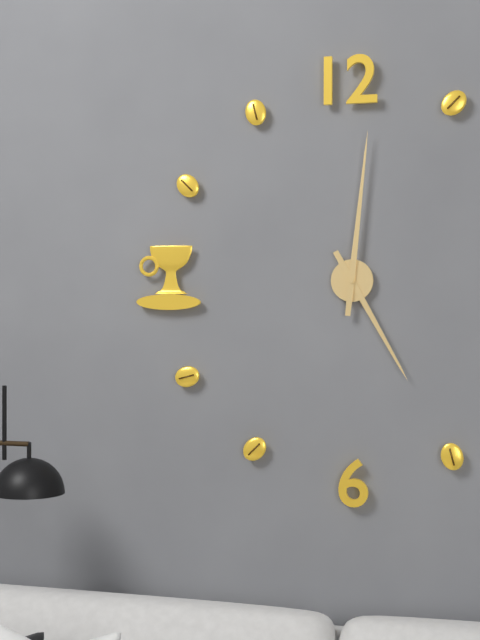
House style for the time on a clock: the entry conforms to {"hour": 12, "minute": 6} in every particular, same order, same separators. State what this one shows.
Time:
{"hour": 5, "minute": 1}
